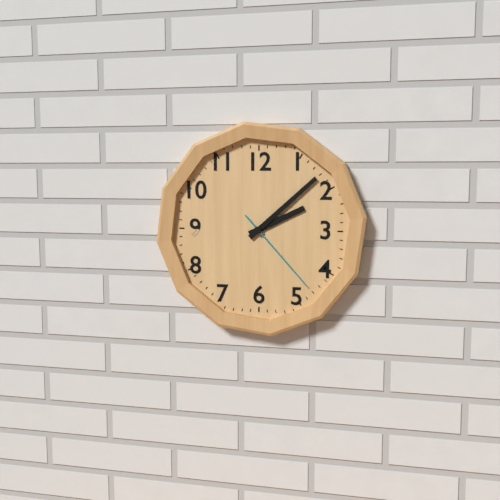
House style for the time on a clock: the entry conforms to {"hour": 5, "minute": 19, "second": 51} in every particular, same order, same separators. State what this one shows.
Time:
{"hour": 2, "minute": 8, "second": 23}
